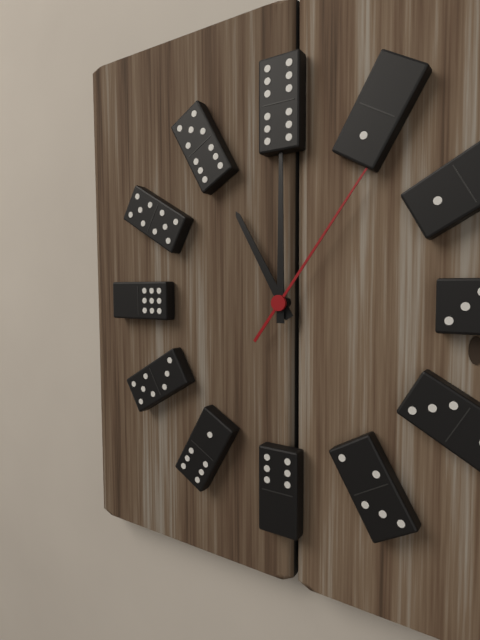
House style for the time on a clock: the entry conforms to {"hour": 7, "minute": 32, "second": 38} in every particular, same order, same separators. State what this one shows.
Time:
{"hour": 11, "minute": 0, "second": 6}
